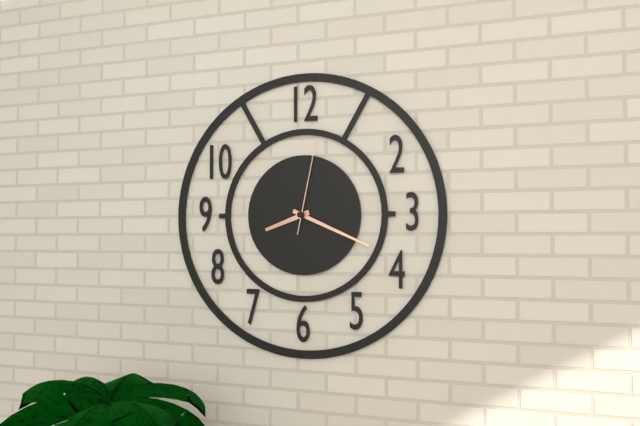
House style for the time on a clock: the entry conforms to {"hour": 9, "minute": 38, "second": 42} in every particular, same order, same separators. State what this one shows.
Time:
{"hour": 8, "minute": 19, "second": 2}
